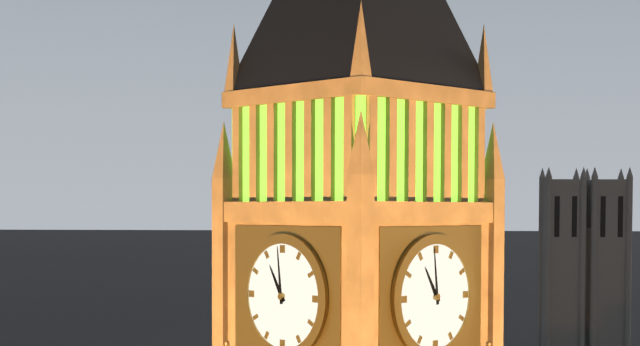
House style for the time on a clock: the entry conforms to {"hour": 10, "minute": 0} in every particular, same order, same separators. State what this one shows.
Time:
{"hour": 10, "minute": 59}
